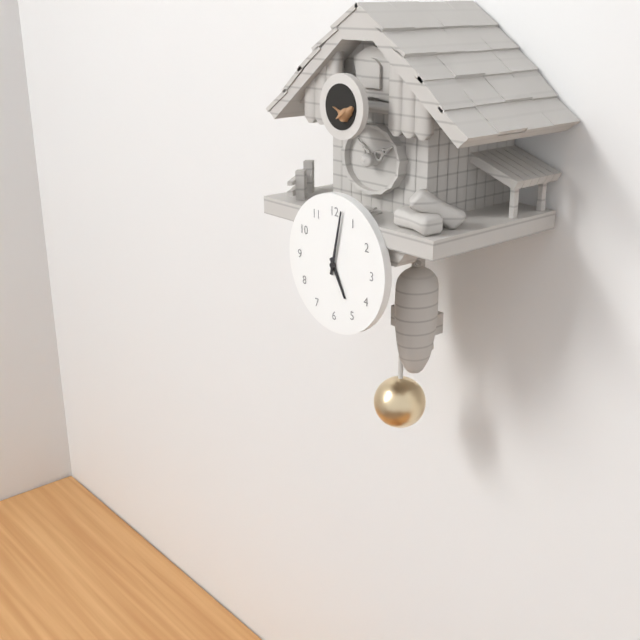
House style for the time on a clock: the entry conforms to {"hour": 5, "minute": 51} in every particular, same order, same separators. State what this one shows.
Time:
{"hour": 5, "minute": 2}
